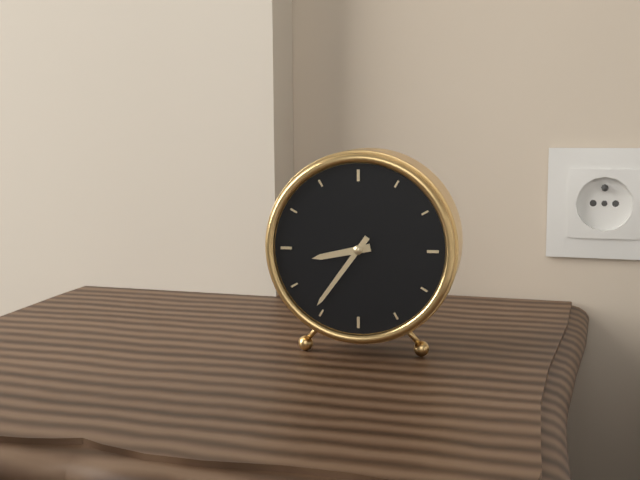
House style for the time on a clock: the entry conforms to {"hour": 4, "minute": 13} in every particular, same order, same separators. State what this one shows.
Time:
{"hour": 8, "minute": 36}
